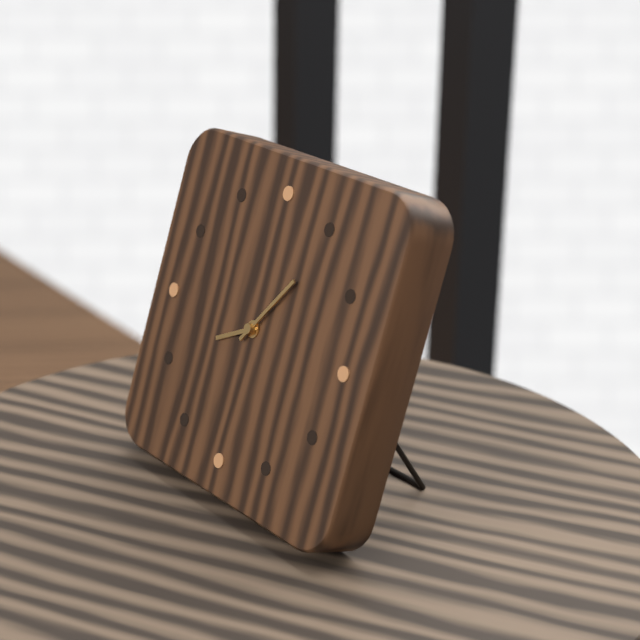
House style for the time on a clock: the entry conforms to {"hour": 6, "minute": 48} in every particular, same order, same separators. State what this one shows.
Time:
{"hour": 8, "minute": 6}
